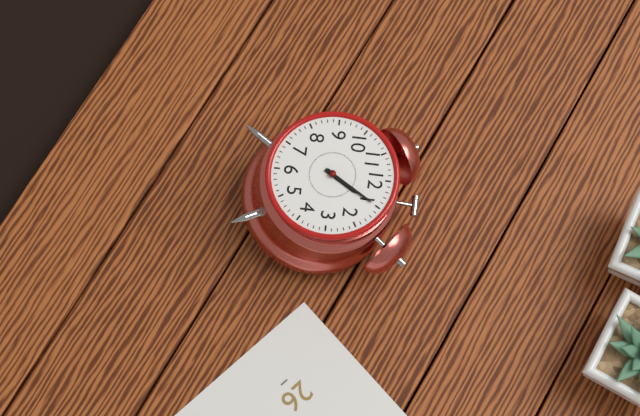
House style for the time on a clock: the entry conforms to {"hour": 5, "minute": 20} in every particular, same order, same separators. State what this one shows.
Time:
{"hour": 1, "minute": 5}
